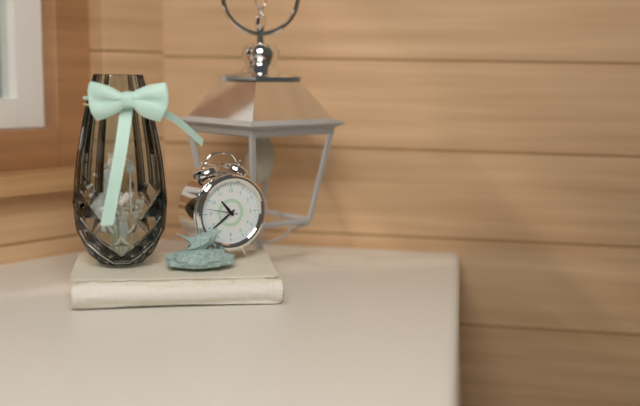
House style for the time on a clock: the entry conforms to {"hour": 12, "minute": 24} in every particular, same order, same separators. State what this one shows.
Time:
{"hour": 10, "minute": 39}
